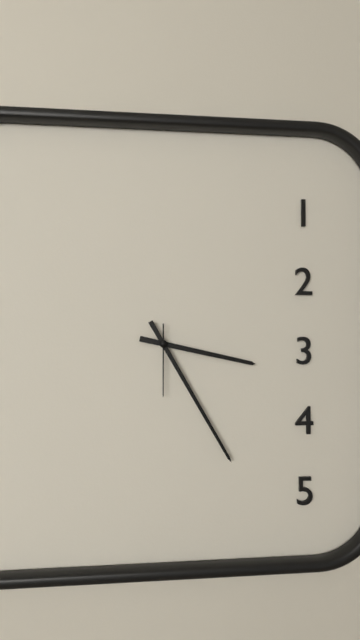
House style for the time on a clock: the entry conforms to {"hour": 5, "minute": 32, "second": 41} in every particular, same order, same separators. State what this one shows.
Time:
{"hour": 3, "minute": 25, "second": 30}
